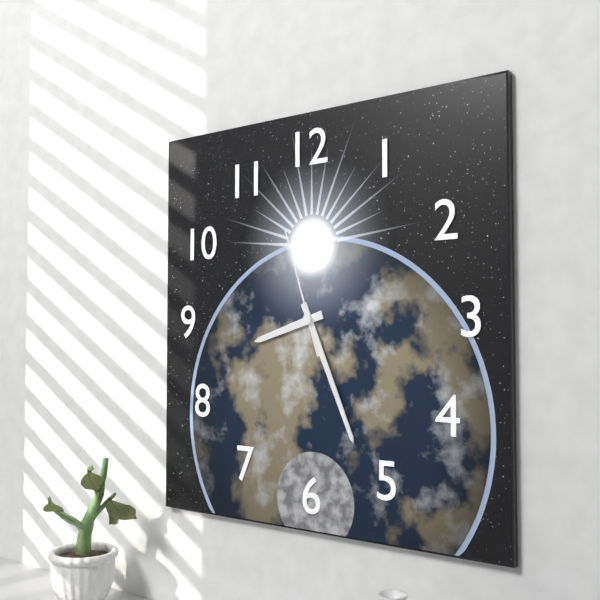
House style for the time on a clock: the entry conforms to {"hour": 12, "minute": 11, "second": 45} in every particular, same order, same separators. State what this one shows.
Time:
{"hour": 8, "minute": 26, "second": 57}
